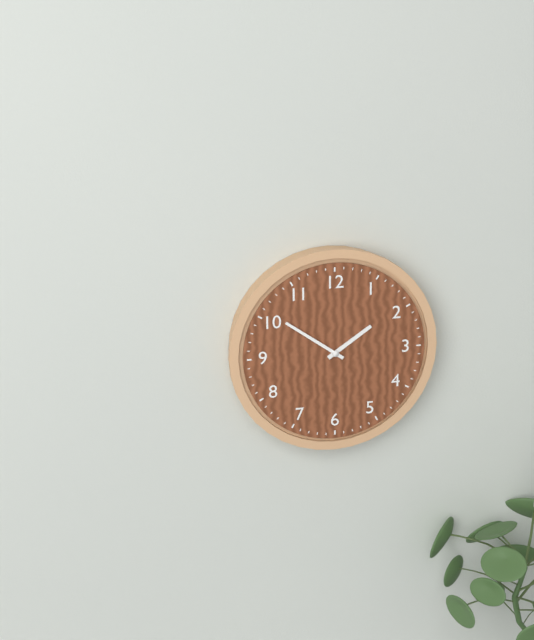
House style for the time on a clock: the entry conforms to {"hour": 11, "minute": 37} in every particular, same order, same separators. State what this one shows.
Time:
{"hour": 1, "minute": 51}
